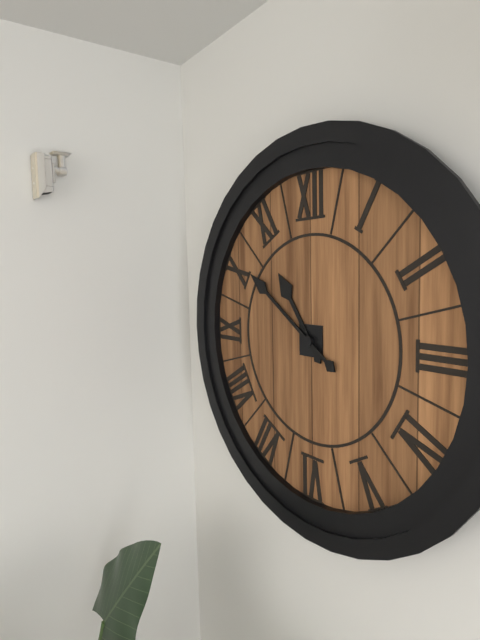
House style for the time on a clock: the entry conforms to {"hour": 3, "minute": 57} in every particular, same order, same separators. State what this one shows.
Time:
{"hour": 10, "minute": 51}
